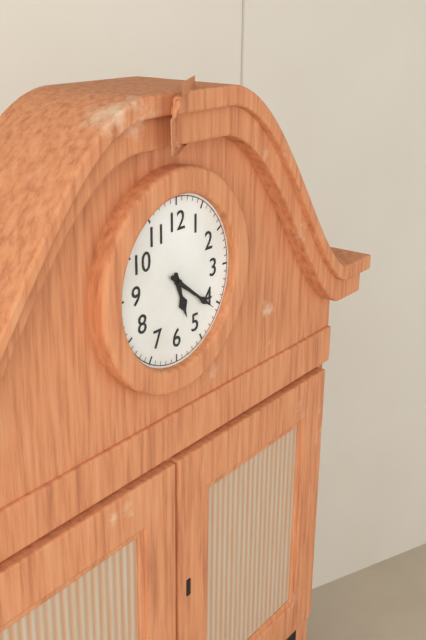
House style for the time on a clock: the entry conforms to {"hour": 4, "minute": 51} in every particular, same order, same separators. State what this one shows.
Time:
{"hour": 5, "minute": 21}
